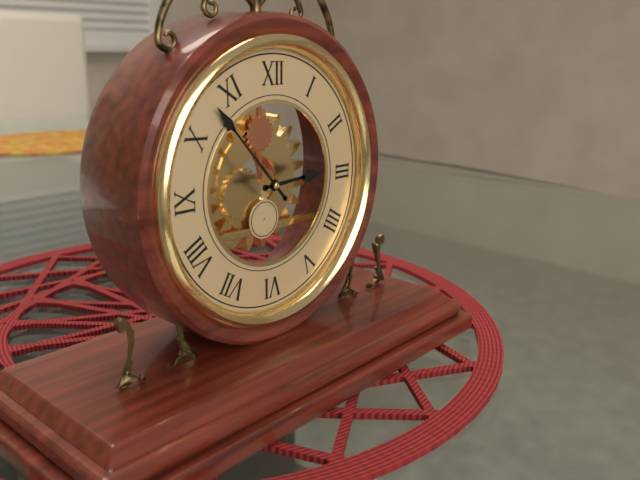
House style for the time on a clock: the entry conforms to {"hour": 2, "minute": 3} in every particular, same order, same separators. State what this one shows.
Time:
{"hour": 2, "minute": 53}
